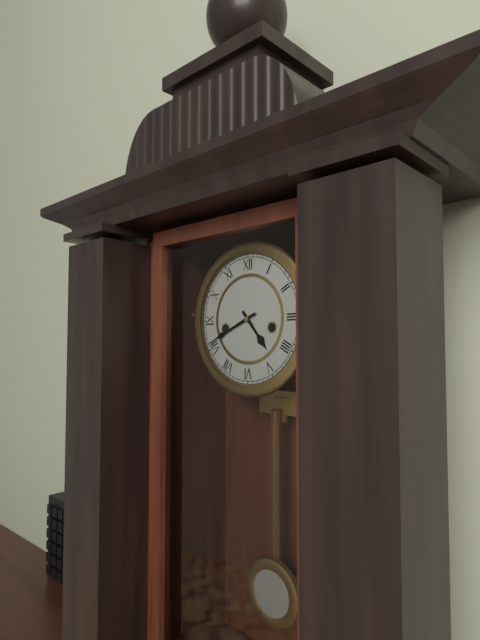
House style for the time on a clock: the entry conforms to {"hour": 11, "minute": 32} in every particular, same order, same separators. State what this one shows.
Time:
{"hour": 4, "minute": 41}
